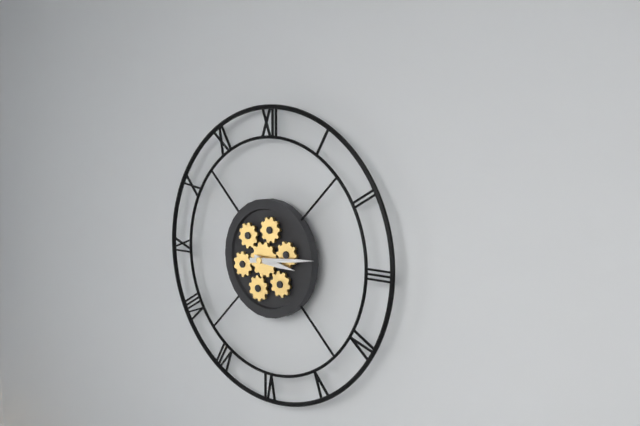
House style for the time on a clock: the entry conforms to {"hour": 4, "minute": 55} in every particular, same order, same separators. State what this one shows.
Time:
{"hour": 3, "minute": 14}
